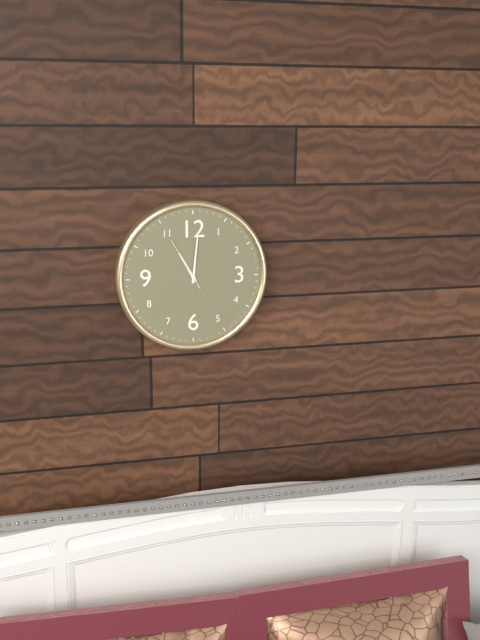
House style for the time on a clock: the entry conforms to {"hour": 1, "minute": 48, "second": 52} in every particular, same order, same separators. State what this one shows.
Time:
{"hour": 11, "minute": 1, "second": 55}
